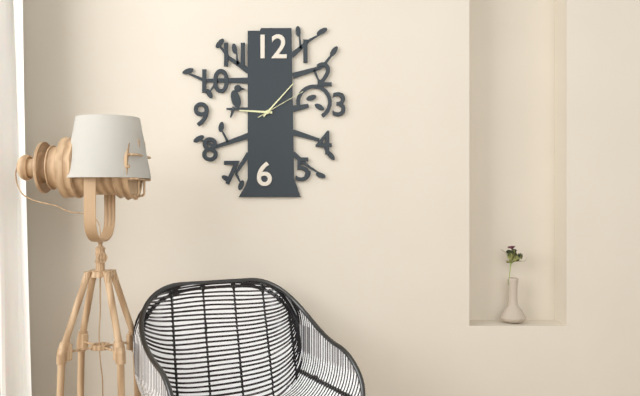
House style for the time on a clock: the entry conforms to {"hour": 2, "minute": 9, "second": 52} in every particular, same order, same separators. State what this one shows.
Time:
{"hour": 9, "minute": 7, "second": 10}
